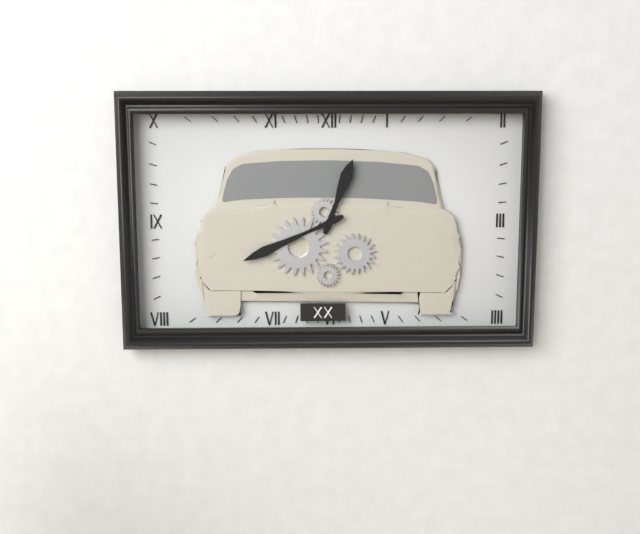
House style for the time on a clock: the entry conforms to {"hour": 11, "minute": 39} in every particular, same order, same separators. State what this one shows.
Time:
{"hour": 12, "minute": 41}
